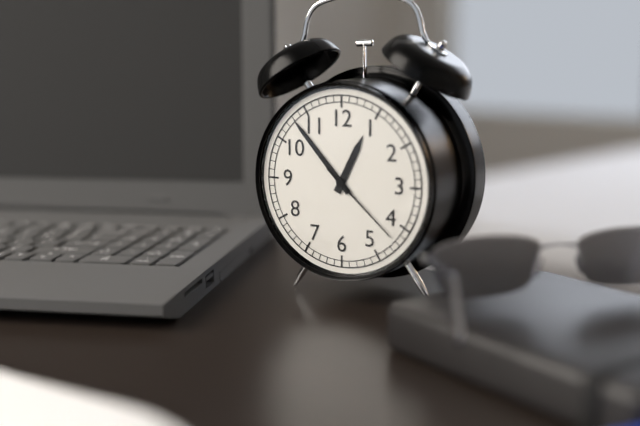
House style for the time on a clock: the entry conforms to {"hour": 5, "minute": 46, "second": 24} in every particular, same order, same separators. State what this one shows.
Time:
{"hour": 12, "minute": 53, "second": 22}
